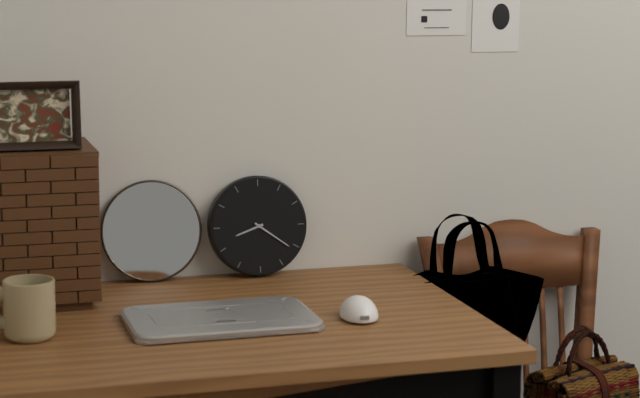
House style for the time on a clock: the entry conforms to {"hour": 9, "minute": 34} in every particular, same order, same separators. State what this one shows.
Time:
{"hour": 8, "minute": 21}
